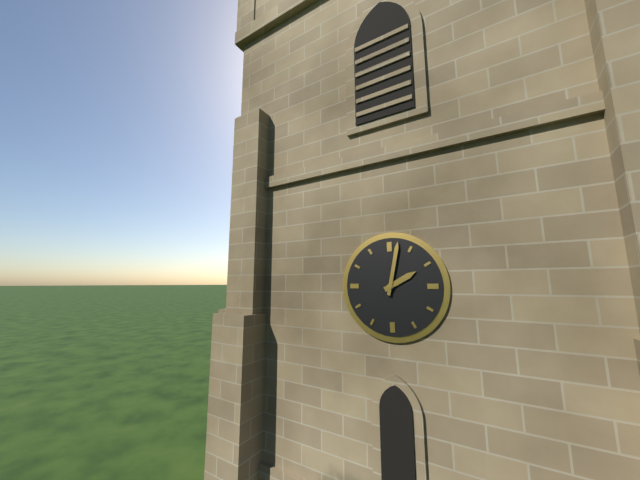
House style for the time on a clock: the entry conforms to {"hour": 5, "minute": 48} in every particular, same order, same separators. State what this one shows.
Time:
{"hour": 2, "minute": 2}
